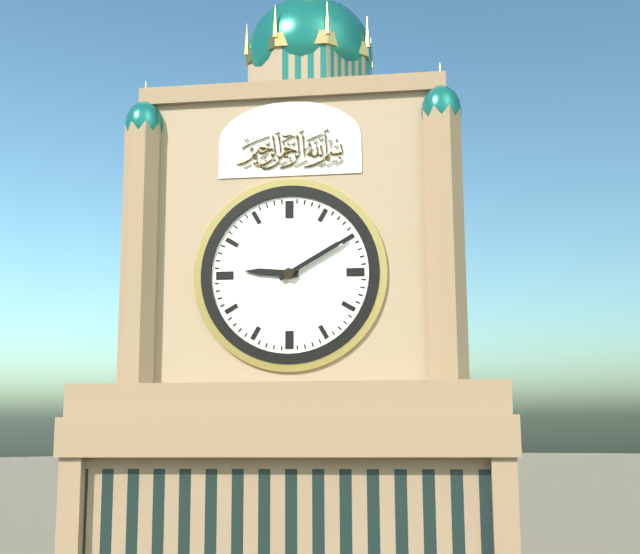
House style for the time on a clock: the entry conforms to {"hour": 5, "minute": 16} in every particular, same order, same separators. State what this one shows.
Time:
{"hour": 9, "minute": 10}
